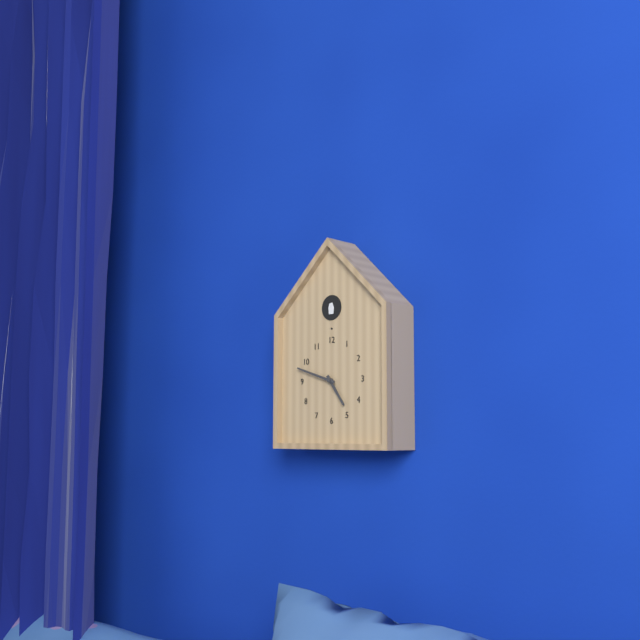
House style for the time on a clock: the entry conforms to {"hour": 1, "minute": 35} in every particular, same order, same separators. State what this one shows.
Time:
{"hour": 4, "minute": 48}
